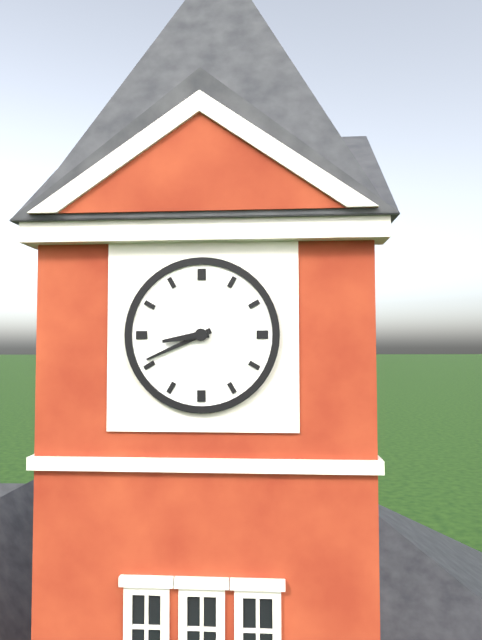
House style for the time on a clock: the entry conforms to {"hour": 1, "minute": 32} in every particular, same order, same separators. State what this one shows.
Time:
{"hour": 8, "minute": 41}
